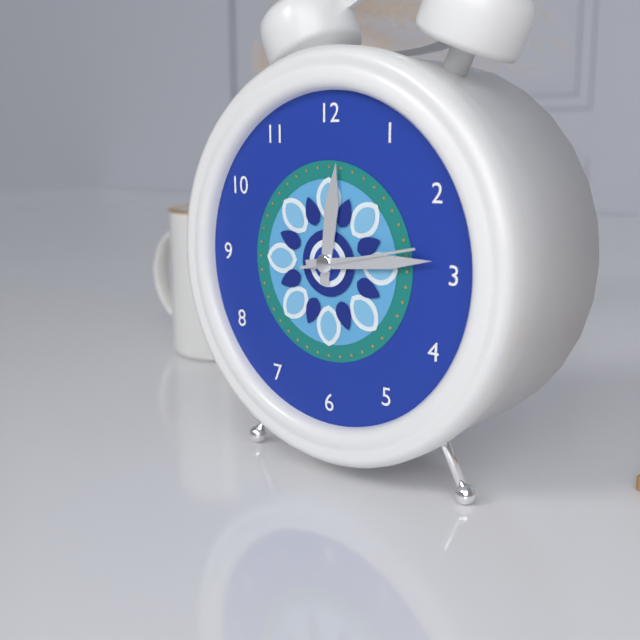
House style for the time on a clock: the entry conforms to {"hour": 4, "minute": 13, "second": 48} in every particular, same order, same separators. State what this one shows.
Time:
{"hour": 12, "minute": 14, "second": 13}
